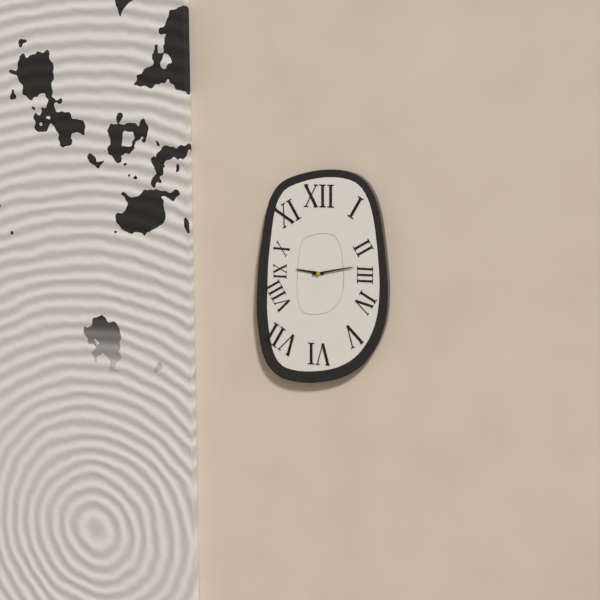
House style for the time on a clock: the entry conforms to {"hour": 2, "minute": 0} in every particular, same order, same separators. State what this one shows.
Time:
{"hour": 9, "minute": 13}
